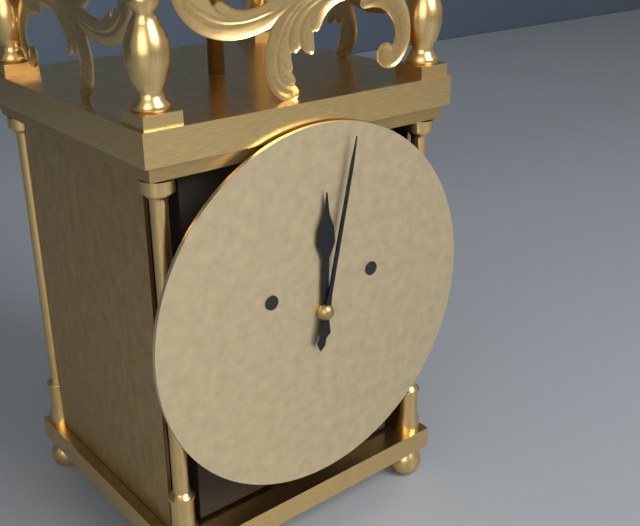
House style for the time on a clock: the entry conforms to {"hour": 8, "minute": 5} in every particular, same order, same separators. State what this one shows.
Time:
{"hour": 12, "minute": 2}
